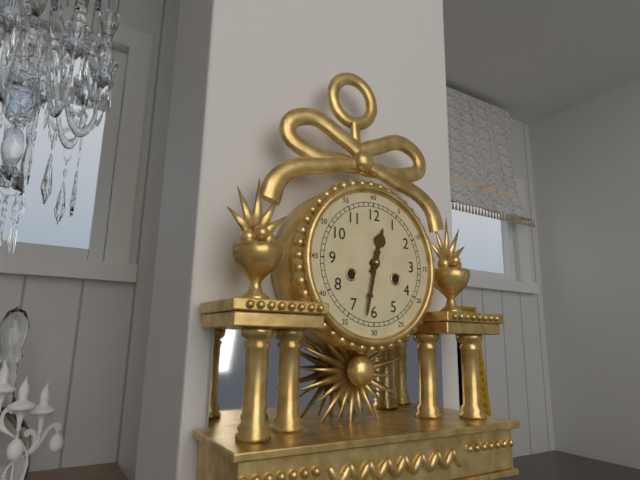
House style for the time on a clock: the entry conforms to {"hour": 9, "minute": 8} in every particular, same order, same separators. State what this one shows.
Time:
{"hour": 12, "minute": 32}
